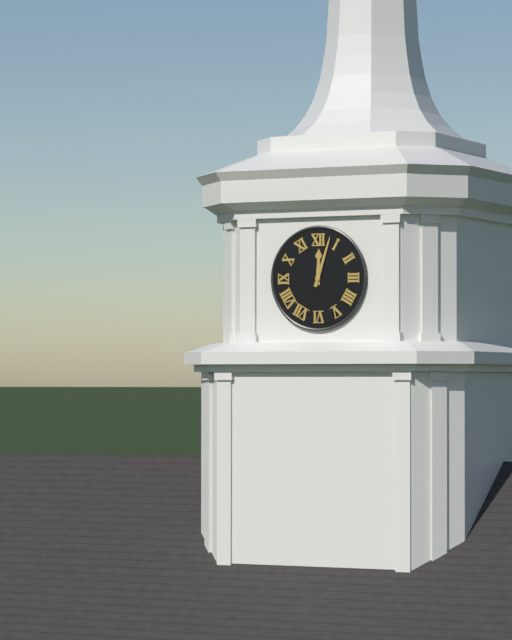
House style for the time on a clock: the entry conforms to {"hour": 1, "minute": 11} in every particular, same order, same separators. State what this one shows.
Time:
{"hour": 12, "minute": 3}
